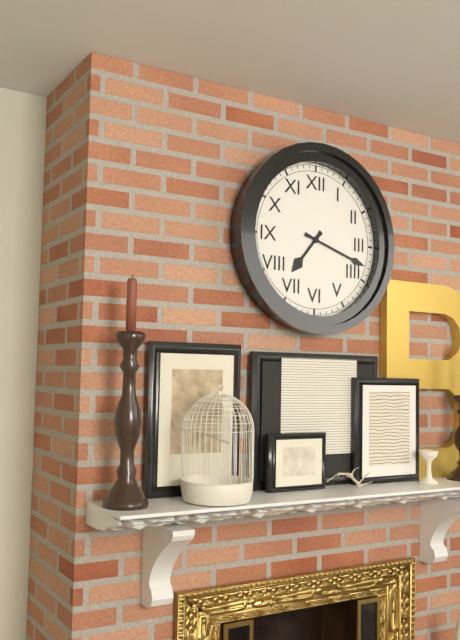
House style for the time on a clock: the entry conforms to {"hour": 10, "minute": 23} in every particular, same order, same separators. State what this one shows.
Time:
{"hour": 7, "minute": 18}
